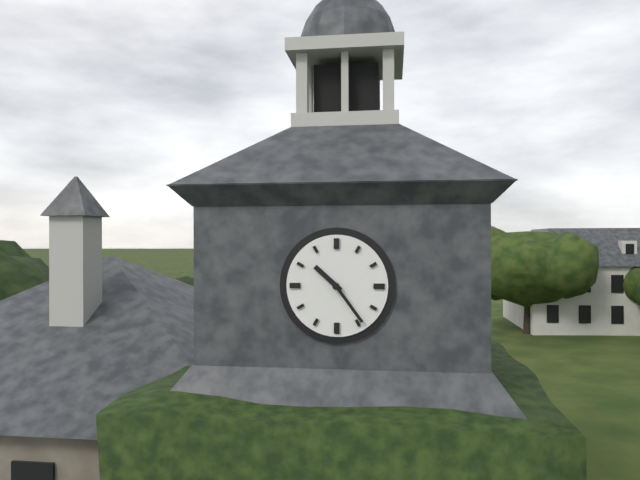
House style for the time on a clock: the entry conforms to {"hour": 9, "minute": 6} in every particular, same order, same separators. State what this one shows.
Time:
{"hour": 10, "minute": 24}
